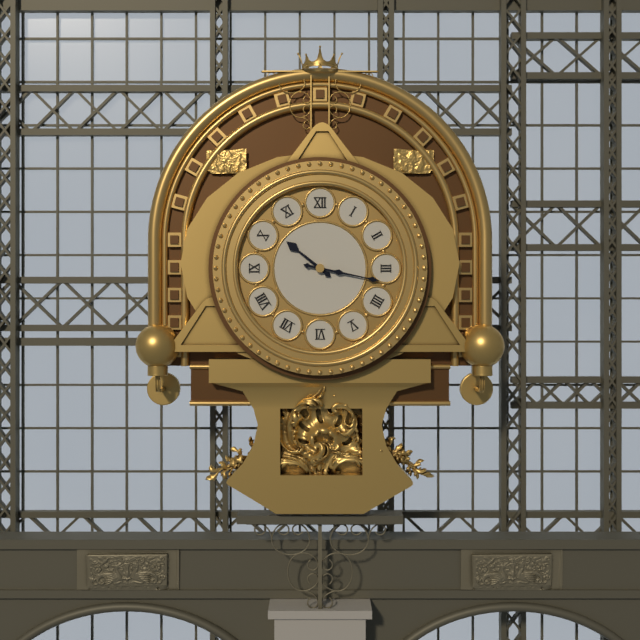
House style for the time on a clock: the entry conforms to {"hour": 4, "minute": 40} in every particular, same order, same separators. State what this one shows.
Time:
{"hour": 10, "minute": 17}
